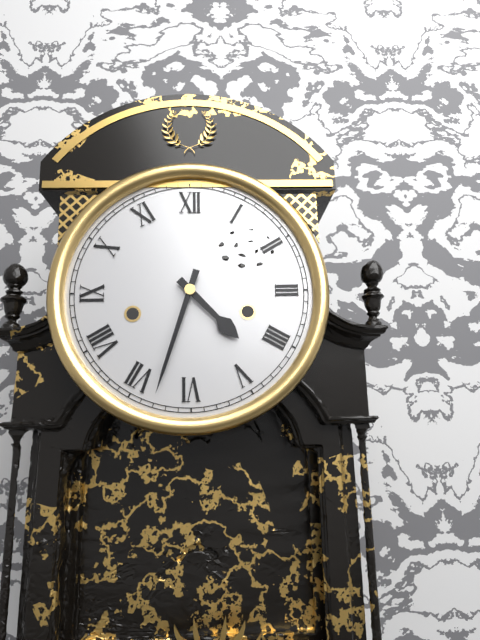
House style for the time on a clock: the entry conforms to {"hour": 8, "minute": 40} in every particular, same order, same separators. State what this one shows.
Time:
{"hour": 4, "minute": 33}
